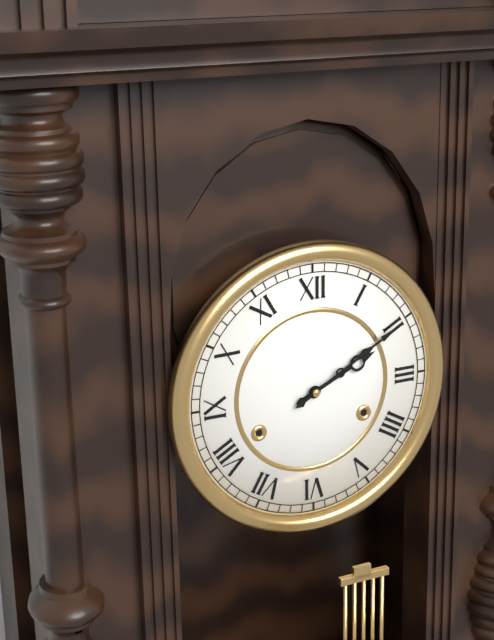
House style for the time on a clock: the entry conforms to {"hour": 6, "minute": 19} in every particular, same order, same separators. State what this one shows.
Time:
{"hour": 2, "minute": 10}
